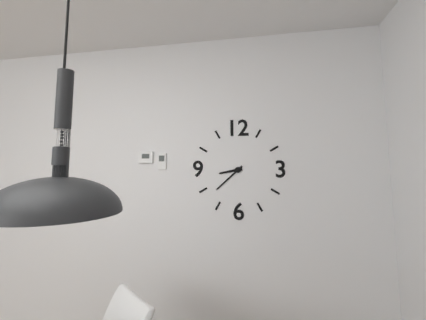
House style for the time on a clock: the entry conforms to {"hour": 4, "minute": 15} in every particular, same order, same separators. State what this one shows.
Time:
{"hour": 8, "minute": 38}
